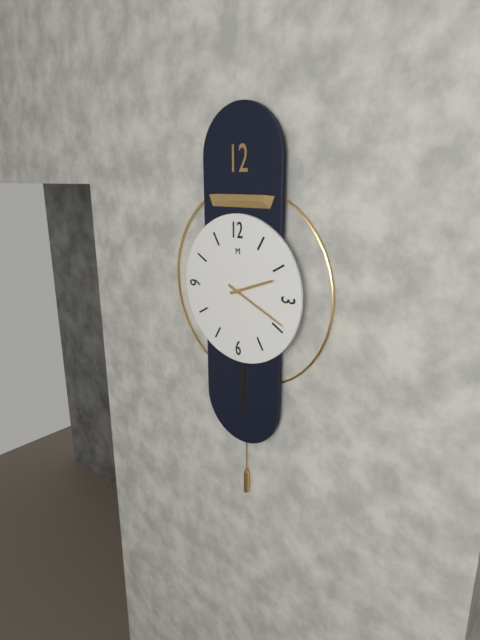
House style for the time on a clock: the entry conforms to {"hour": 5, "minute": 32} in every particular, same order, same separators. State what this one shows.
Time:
{"hour": 2, "minute": 19}
